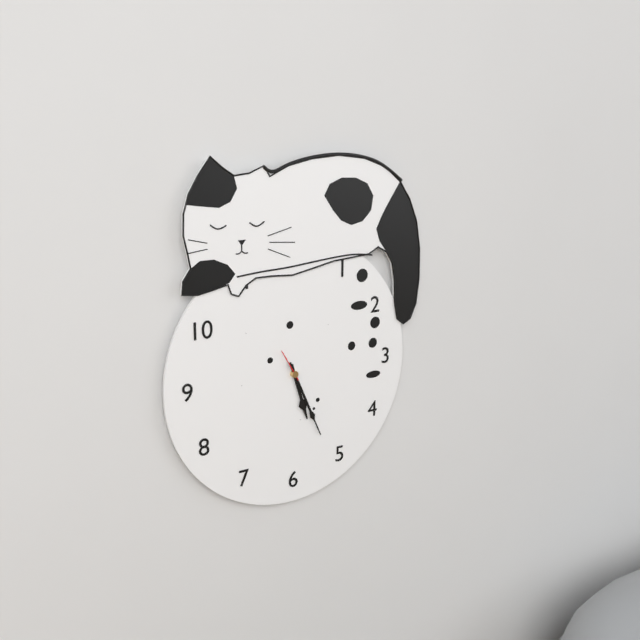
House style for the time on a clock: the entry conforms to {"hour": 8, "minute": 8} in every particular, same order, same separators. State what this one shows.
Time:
{"hour": 5, "minute": 26}
